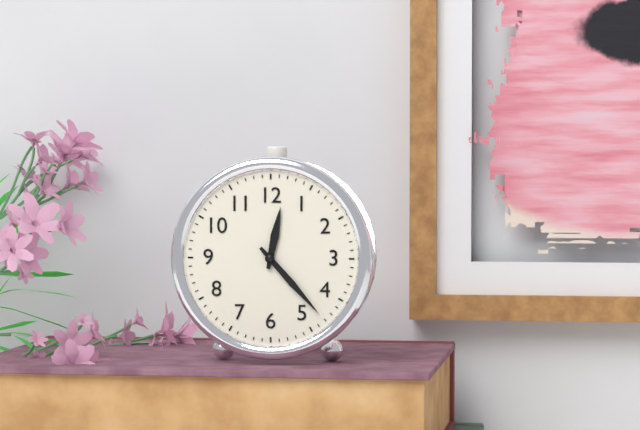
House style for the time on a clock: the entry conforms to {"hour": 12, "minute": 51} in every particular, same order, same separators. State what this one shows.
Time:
{"hour": 12, "minute": 23}
